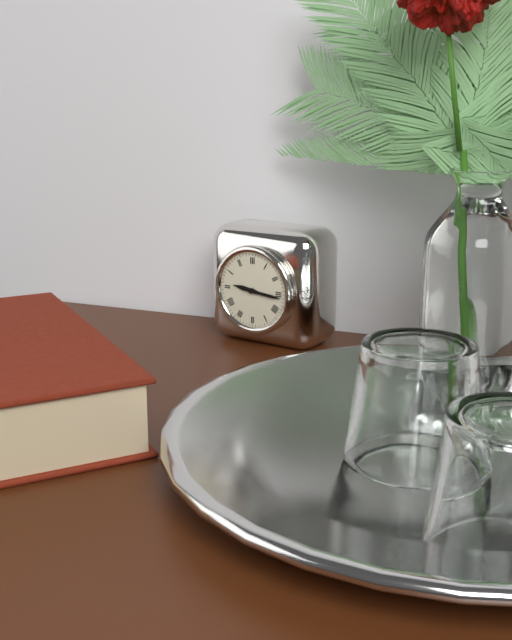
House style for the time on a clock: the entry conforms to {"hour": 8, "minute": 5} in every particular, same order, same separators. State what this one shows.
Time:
{"hour": 9, "minute": 16}
